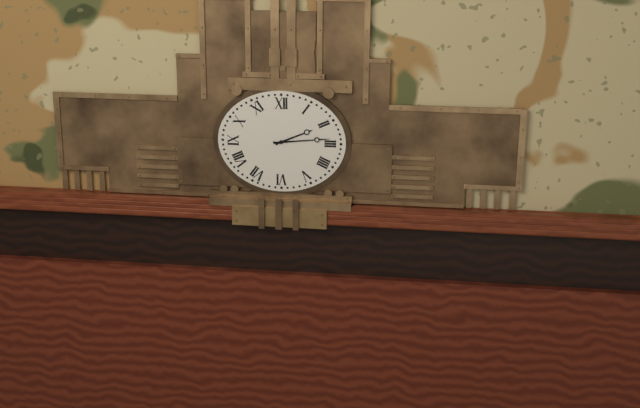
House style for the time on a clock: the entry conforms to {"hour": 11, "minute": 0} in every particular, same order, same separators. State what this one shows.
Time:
{"hour": 2, "minute": 14}
